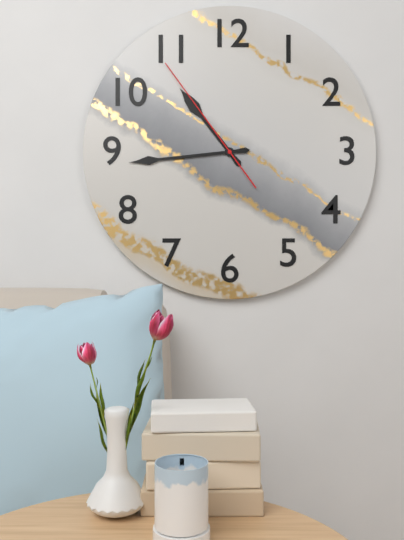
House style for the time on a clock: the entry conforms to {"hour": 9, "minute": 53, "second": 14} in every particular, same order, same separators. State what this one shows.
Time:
{"hour": 10, "minute": 44, "second": 54}
